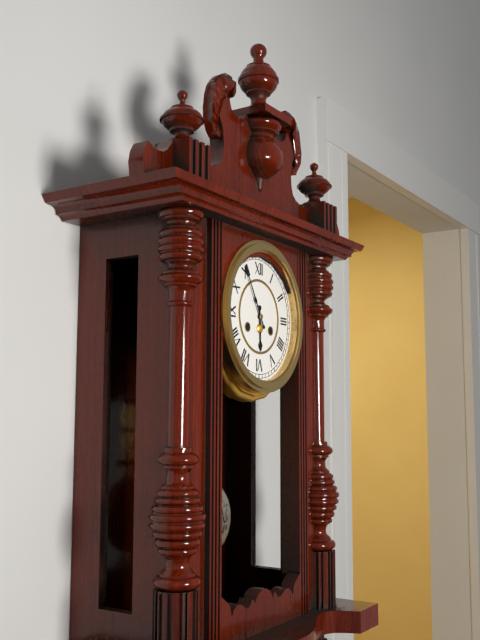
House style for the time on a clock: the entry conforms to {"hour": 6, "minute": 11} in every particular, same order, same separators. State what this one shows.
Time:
{"hour": 5, "minute": 55}
